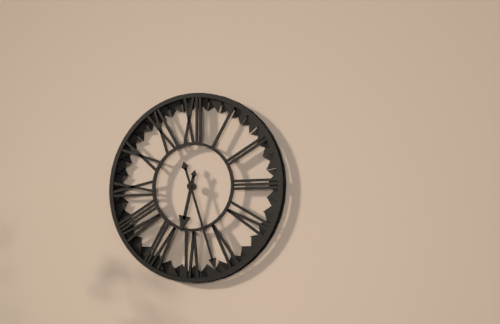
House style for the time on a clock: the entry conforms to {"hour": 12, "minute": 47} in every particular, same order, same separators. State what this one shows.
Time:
{"hour": 6, "minute": 27}
